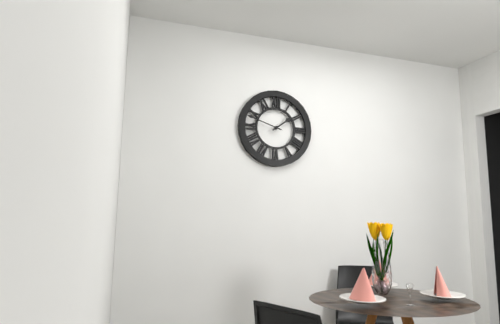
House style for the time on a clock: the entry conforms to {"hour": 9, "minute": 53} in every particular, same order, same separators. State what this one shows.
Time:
{"hour": 1, "minute": 48}
